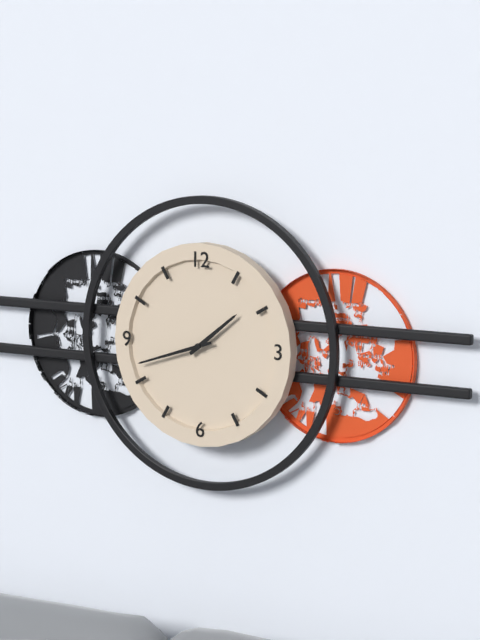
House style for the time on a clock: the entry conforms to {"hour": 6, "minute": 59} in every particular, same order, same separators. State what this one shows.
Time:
{"hour": 1, "minute": 42}
